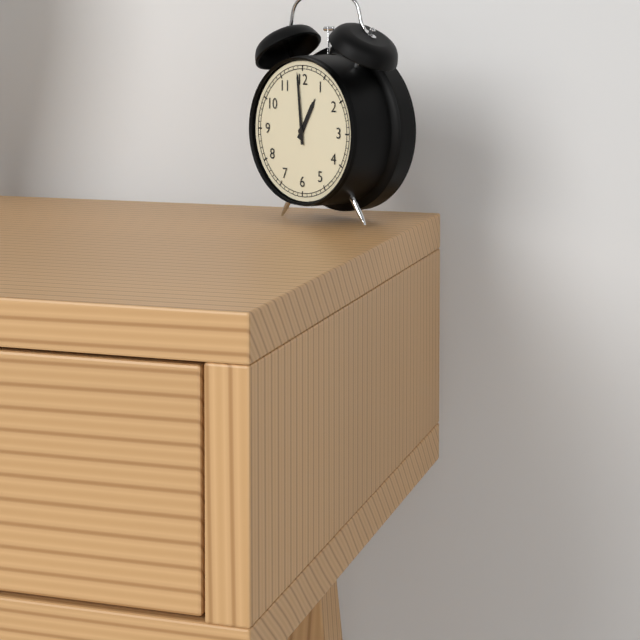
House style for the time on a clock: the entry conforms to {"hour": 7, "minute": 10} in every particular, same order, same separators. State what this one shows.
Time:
{"hour": 12, "minute": 59}
